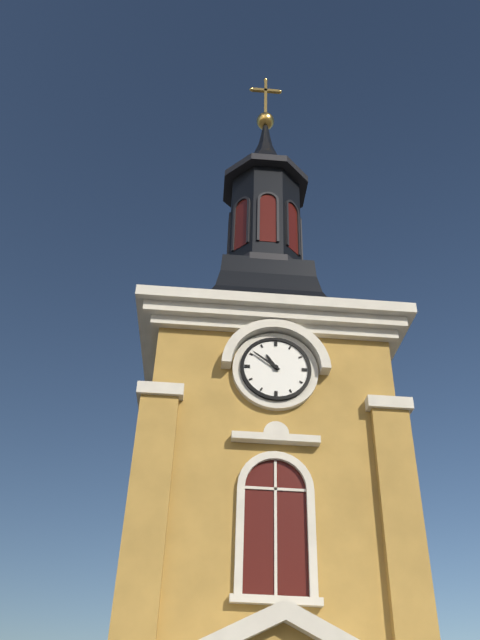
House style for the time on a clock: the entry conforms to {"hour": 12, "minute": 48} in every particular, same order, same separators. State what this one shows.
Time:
{"hour": 10, "minute": 51}
